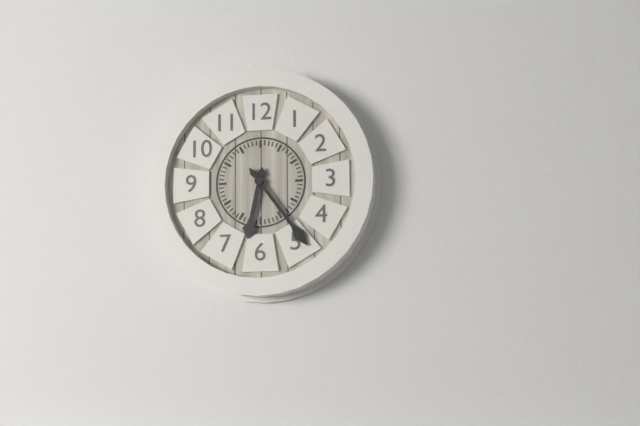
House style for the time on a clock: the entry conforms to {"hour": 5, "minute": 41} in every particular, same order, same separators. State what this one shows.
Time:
{"hour": 6, "minute": 24}
